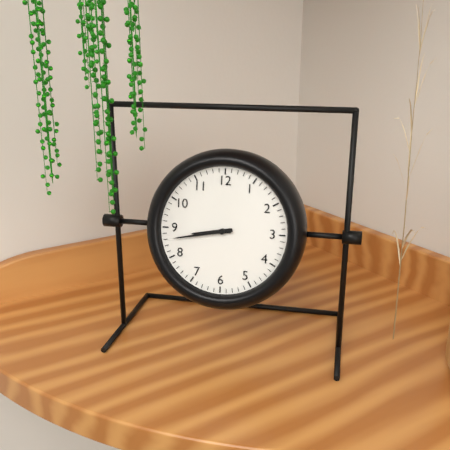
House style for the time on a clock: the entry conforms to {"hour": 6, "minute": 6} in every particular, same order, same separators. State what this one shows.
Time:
{"hour": 8, "minute": 43}
